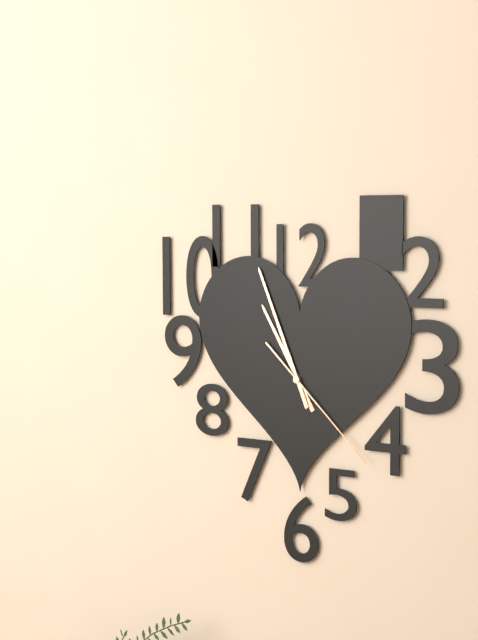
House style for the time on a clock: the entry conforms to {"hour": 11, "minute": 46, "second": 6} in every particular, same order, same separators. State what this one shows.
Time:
{"hour": 10, "minute": 56, "second": 22}
